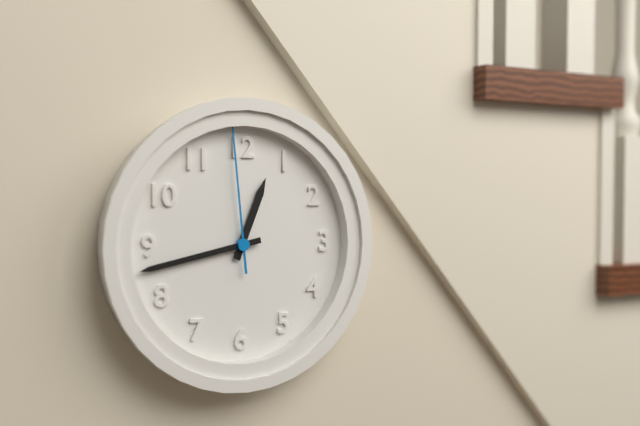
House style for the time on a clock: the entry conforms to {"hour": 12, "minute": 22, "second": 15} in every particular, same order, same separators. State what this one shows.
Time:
{"hour": 12, "minute": 43, "second": 59}
